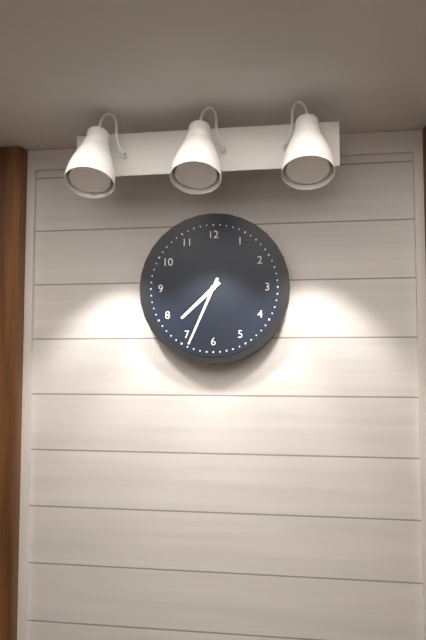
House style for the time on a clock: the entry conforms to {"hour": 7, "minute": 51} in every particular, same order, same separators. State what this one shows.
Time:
{"hour": 7, "minute": 34}
